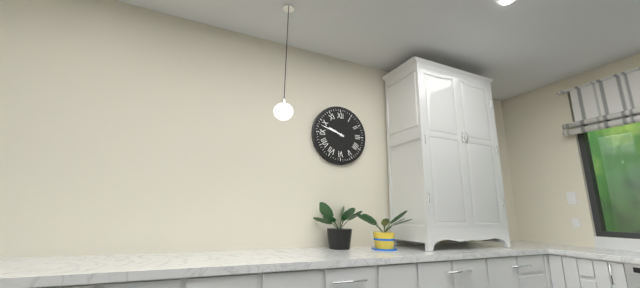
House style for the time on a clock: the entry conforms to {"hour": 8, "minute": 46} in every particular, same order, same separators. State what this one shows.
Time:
{"hour": 9, "minute": 48}
